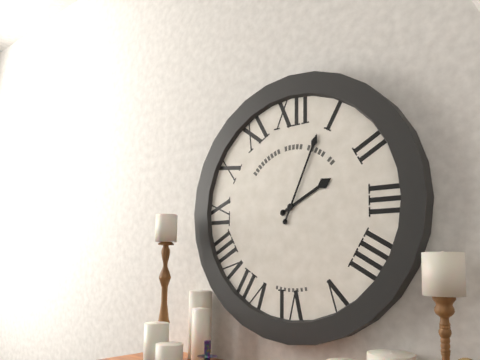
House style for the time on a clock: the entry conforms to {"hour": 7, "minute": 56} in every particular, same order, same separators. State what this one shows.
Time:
{"hour": 2, "minute": 4}
